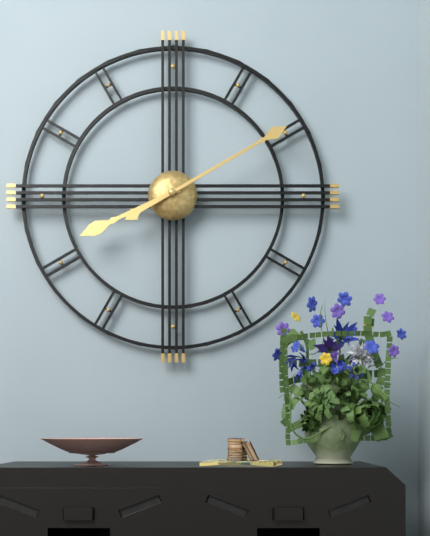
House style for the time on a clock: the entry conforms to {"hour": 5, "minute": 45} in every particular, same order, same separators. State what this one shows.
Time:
{"hour": 8, "minute": 10}
